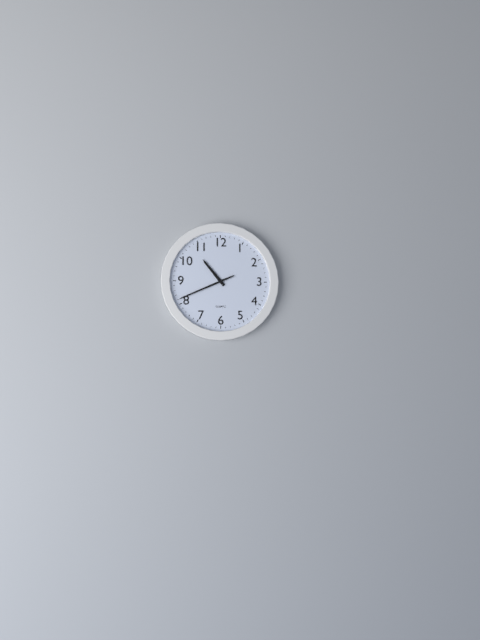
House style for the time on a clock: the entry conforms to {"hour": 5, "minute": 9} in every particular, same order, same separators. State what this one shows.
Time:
{"hour": 10, "minute": 41}
